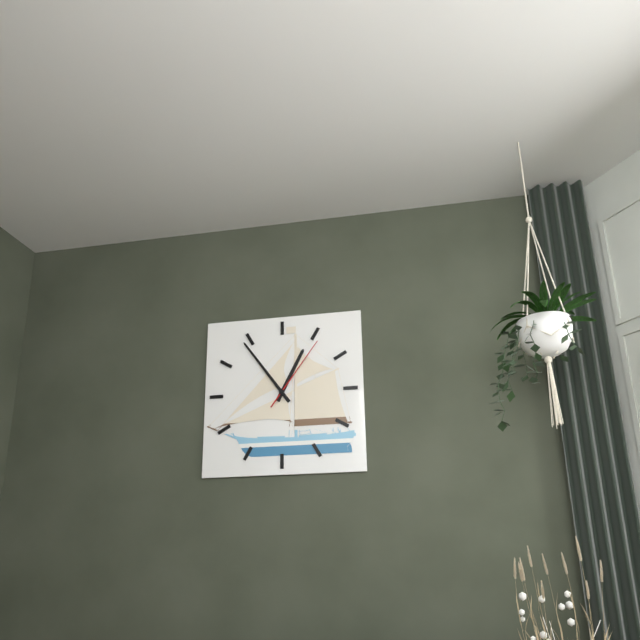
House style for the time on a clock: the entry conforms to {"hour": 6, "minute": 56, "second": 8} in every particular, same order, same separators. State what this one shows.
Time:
{"hour": 12, "minute": 54, "second": 6}
